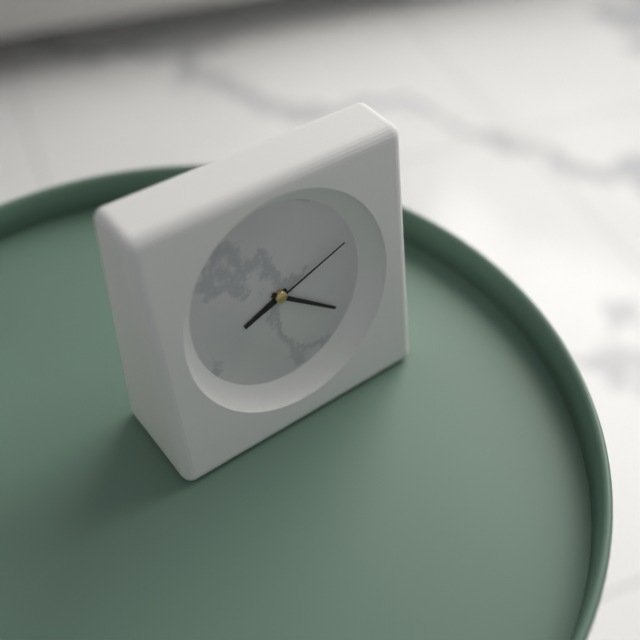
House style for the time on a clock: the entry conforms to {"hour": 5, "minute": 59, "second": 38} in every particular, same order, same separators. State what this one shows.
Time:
{"hour": 8, "minute": 21, "second": 12}
